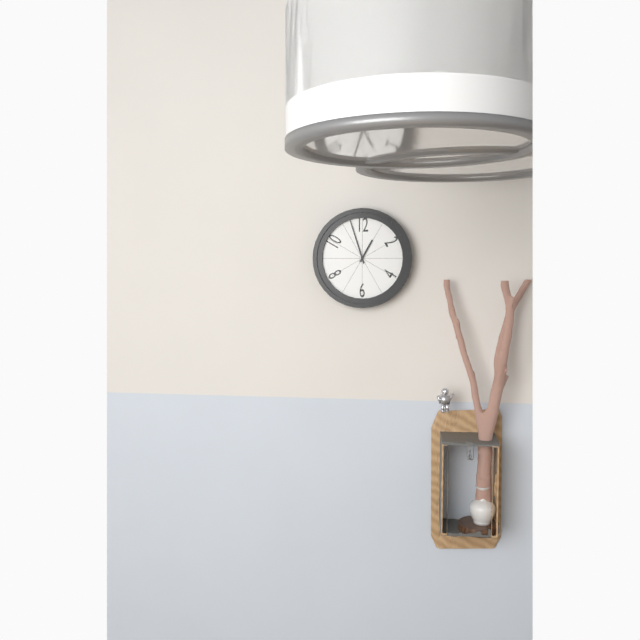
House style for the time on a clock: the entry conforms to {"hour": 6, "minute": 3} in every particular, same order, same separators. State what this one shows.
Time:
{"hour": 12, "minute": 57}
